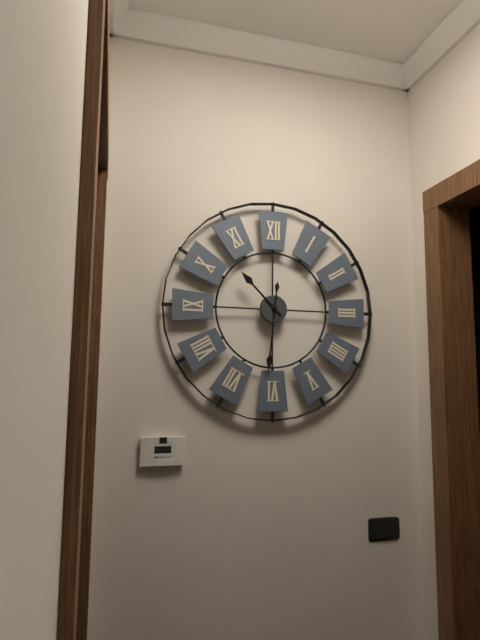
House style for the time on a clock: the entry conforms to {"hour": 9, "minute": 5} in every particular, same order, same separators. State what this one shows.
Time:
{"hour": 10, "minute": 31}
